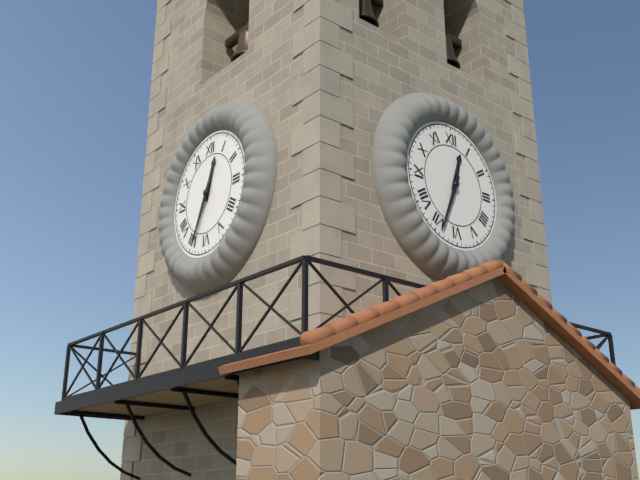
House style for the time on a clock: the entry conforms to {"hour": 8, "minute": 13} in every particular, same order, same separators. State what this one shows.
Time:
{"hour": 12, "minute": 34}
